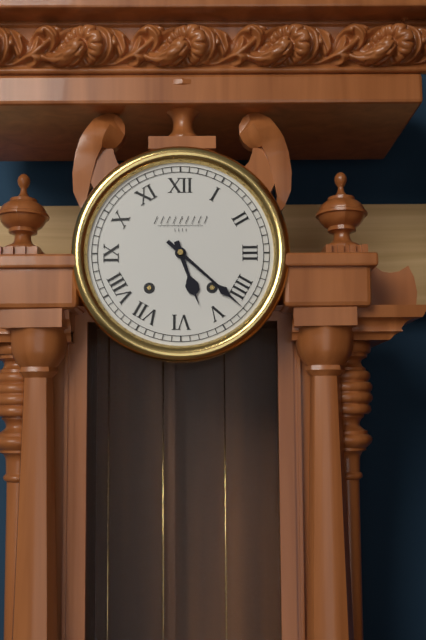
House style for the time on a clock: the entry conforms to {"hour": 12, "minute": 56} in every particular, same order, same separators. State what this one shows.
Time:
{"hour": 5, "minute": 22}
